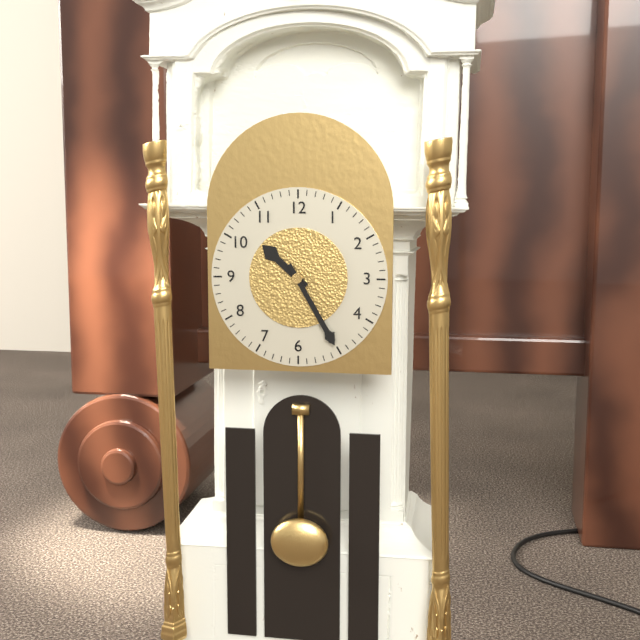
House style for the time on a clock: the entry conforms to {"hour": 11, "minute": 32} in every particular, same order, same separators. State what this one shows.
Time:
{"hour": 10, "minute": 25}
